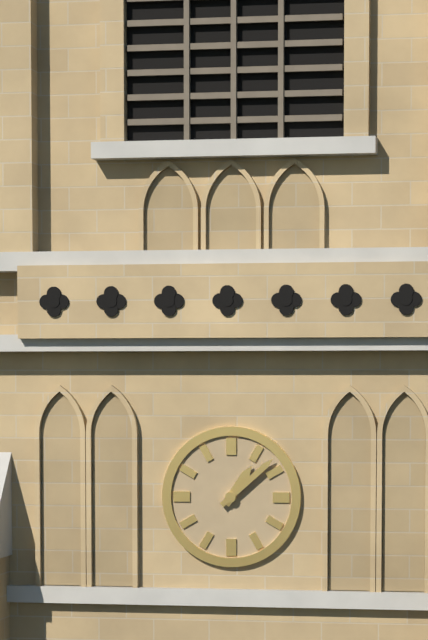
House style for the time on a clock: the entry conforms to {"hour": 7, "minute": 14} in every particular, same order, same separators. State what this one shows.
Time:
{"hour": 1, "minute": 8}
